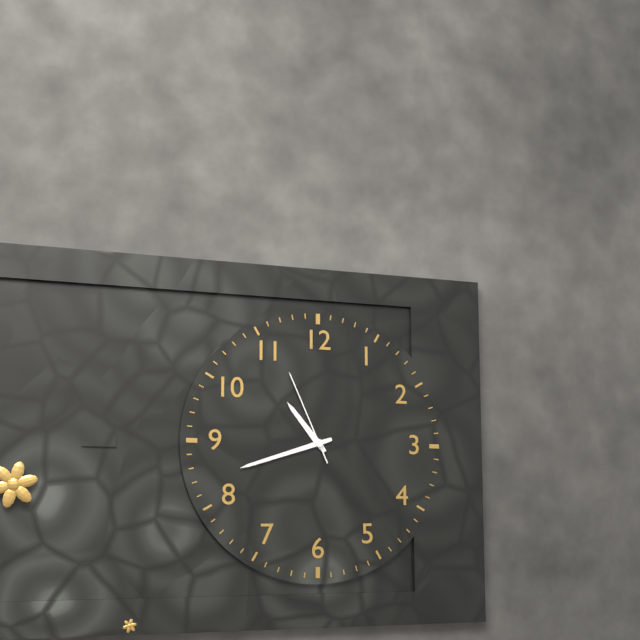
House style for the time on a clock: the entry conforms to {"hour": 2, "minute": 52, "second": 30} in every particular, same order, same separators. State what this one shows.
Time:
{"hour": 10, "minute": 42, "second": 56}
